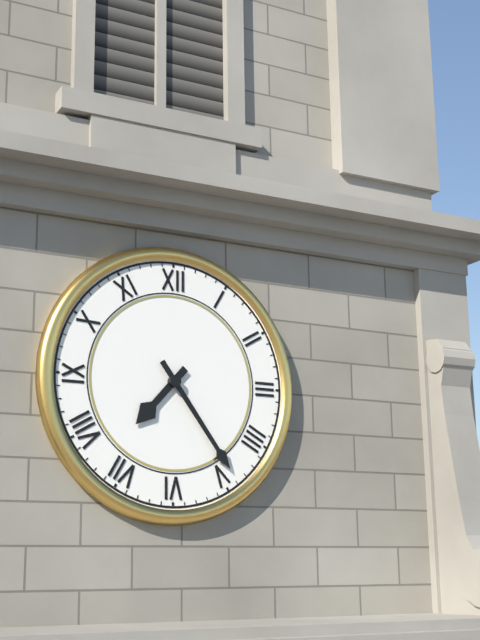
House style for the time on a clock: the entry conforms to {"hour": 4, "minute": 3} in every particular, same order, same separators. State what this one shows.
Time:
{"hour": 7, "minute": 24}
